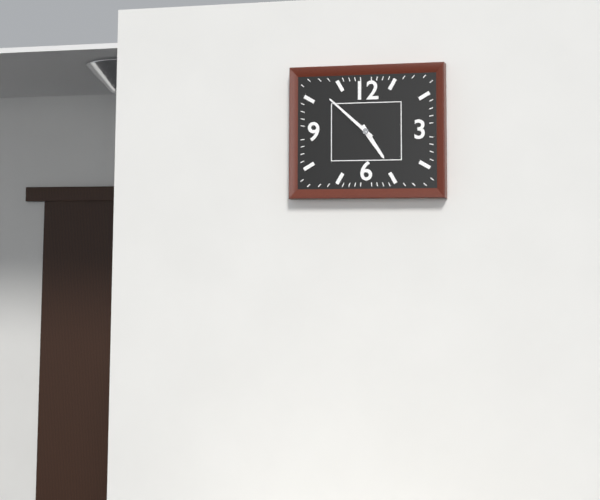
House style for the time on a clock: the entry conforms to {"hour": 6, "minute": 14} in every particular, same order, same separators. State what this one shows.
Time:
{"hour": 4, "minute": 52}
